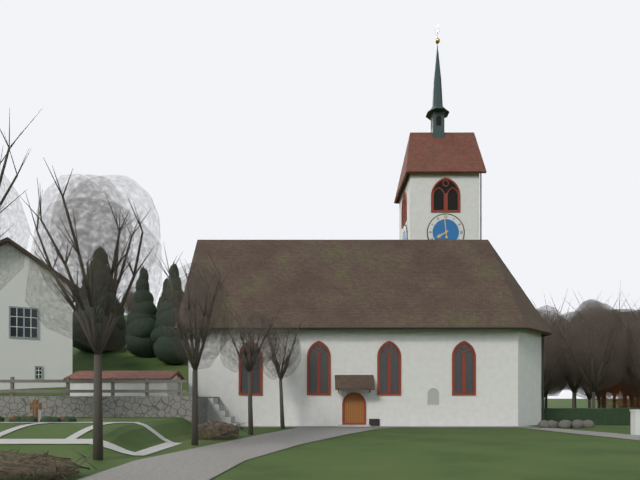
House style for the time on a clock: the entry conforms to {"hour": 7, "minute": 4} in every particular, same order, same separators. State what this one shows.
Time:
{"hour": 7, "minute": 59}
